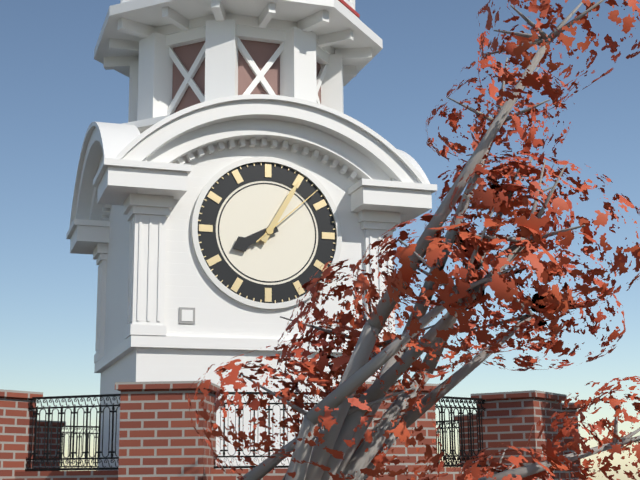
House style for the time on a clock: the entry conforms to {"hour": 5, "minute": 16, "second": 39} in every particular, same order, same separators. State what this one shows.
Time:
{"hour": 8, "minute": 5, "second": 8}
